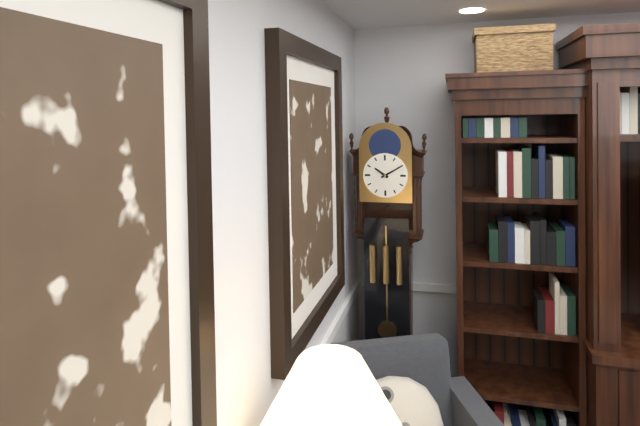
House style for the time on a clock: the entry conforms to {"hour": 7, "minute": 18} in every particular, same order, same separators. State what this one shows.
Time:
{"hour": 10, "minute": 10}
